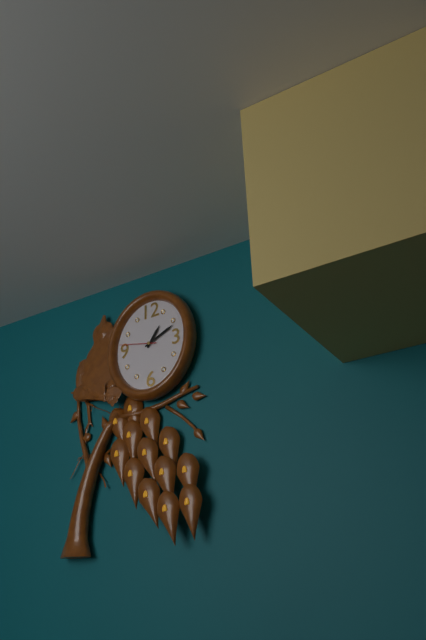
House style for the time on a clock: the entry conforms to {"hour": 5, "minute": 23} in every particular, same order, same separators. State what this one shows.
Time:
{"hour": 1, "minute": 11}
